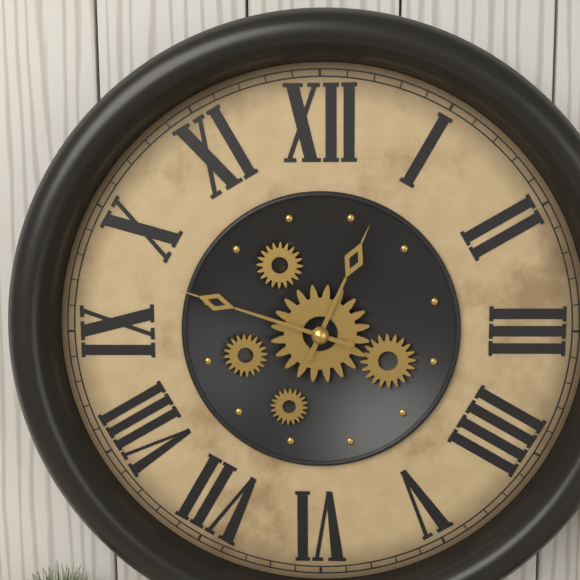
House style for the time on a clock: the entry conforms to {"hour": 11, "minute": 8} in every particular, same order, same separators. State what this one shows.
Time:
{"hour": 12, "minute": 48}
